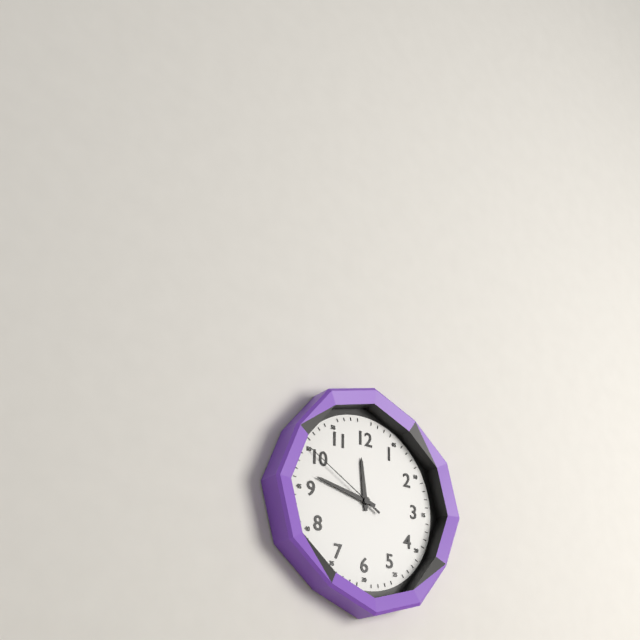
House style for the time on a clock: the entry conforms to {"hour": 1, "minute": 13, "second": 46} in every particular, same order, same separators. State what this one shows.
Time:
{"hour": 11, "minute": 47, "second": 50}
